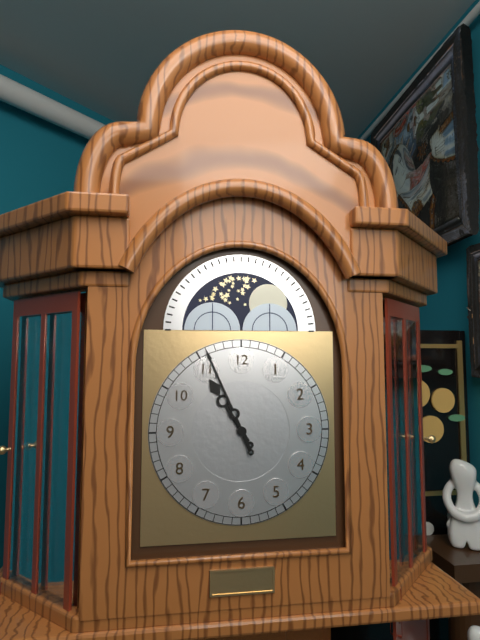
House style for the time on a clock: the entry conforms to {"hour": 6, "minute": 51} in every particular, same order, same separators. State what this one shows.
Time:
{"hour": 10, "minute": 56}
